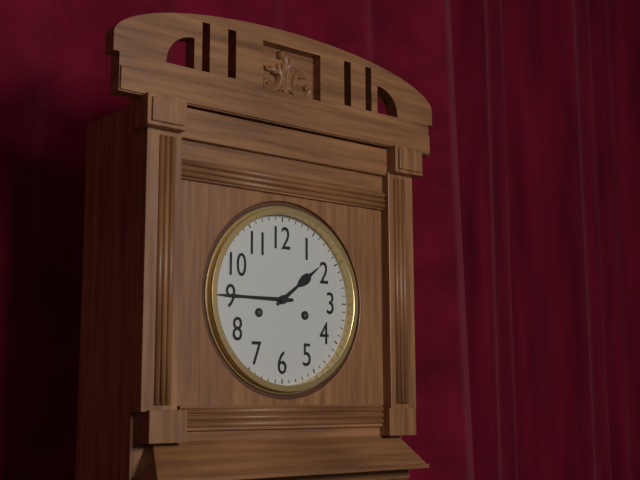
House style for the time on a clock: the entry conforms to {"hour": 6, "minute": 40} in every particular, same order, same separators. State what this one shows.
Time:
{"hour": 1, "minute": 45}
